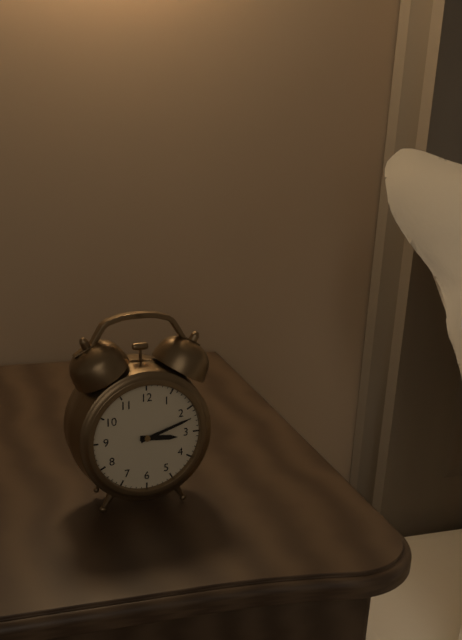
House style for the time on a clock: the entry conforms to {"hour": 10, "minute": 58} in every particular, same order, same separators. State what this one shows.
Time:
{"hour": 3, "minute": 12}
